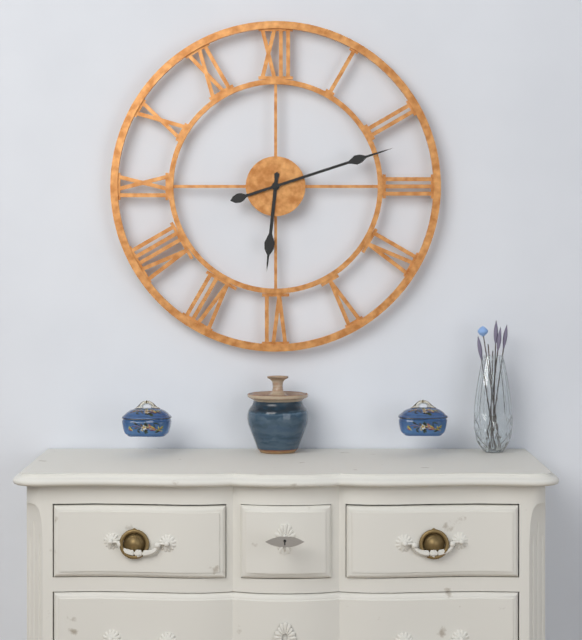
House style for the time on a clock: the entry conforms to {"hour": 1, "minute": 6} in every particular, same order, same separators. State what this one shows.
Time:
{"hour": 6, "minute": 12}
